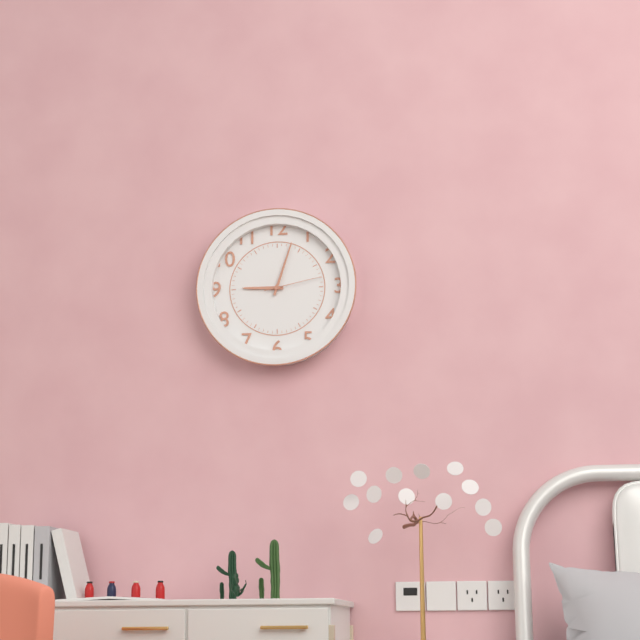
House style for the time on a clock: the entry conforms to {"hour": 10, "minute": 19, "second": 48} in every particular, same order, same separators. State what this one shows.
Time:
{"hour": 9, "minute": 3, "second": 13}
